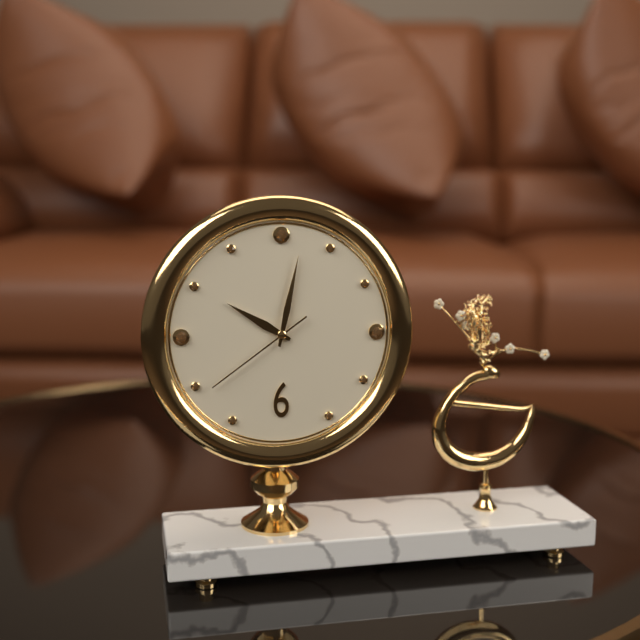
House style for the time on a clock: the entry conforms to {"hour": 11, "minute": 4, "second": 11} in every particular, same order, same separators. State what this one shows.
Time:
{"hour": 10, "minute": 2, "second": 39}
